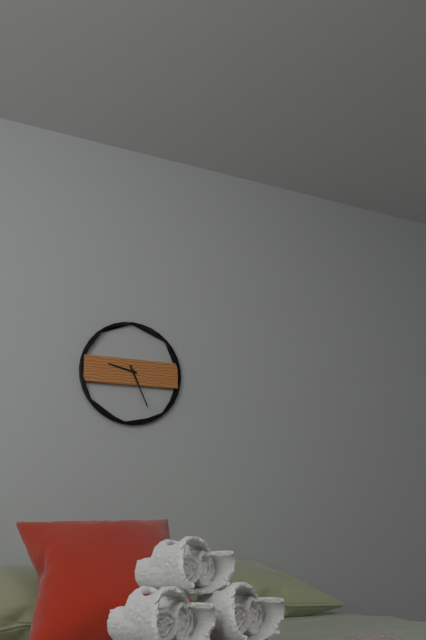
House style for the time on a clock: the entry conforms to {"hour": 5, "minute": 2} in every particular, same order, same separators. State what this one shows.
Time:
{"hour": 9, "minute": 26}
